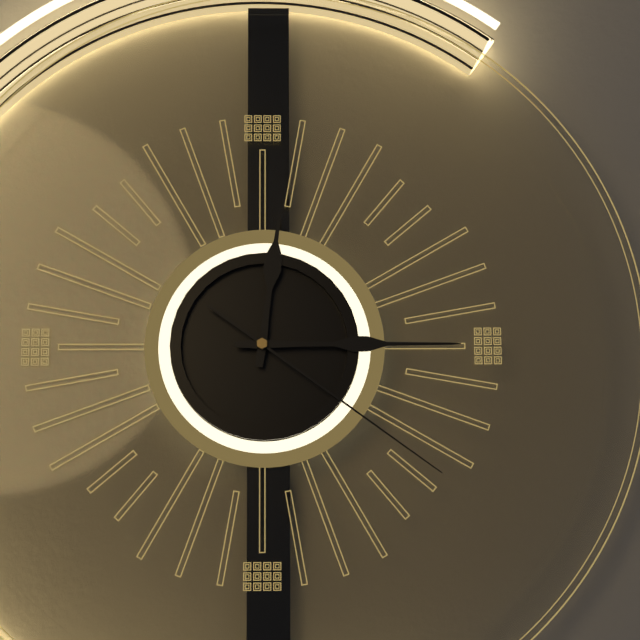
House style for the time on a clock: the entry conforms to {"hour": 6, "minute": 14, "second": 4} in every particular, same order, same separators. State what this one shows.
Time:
{"hour": 12, "minute": 15, "second": 21}
